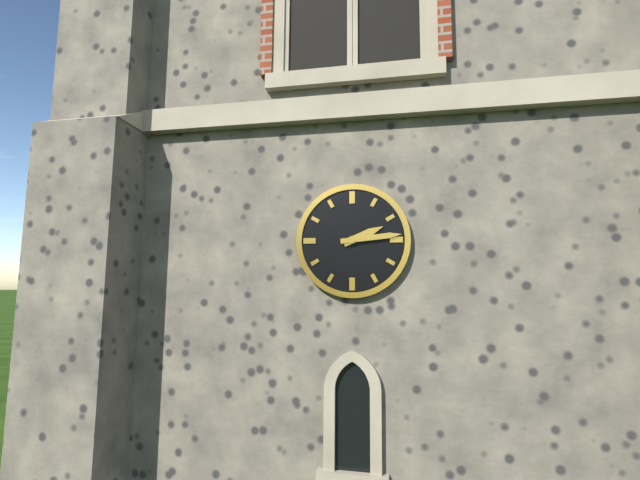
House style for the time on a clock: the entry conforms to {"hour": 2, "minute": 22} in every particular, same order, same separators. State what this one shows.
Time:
{"hour": 2, "minute": 14}
